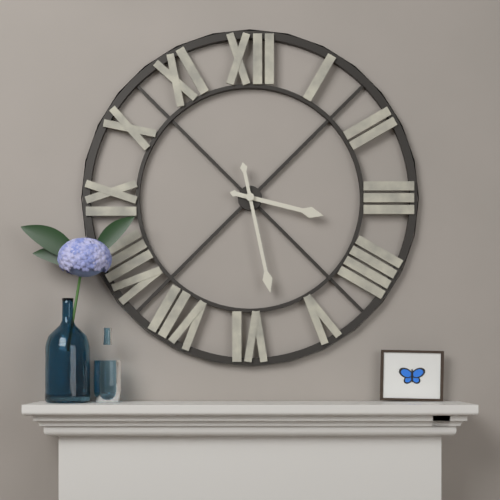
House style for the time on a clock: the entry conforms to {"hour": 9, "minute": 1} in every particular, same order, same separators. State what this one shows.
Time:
{"hour": 3, "minute": 28}
